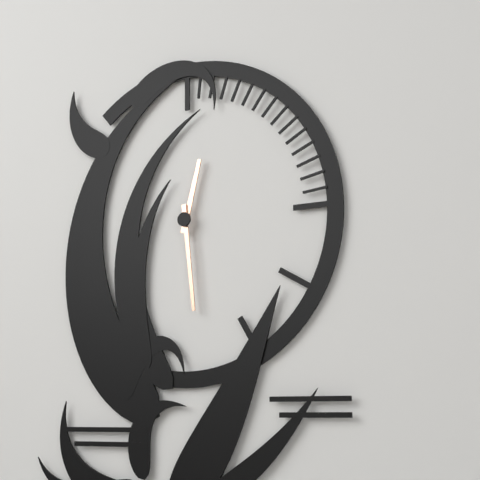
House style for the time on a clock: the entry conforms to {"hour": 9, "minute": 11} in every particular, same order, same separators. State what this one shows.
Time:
{"hour": 12, "minute": 29}
